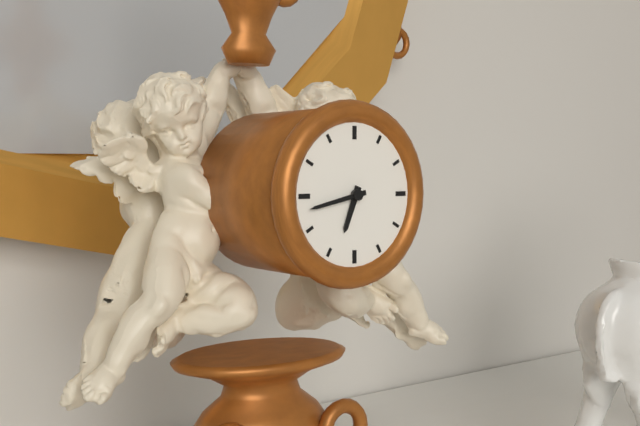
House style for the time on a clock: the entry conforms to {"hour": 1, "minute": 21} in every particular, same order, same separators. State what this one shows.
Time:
{"hour": 6, "minute": 43}
